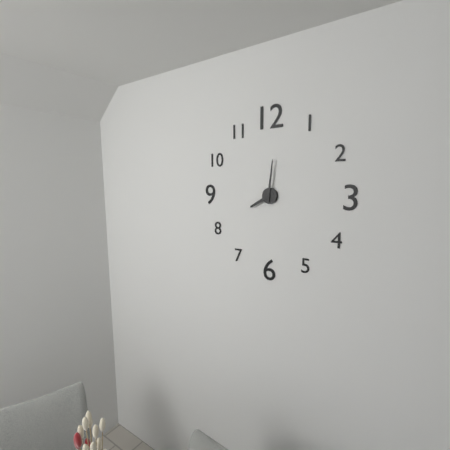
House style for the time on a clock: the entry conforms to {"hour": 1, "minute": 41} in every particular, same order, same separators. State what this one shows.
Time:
{"hour": 8, "minute": 1}
